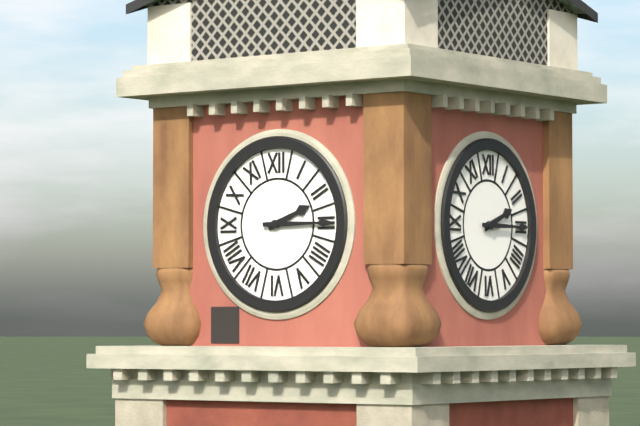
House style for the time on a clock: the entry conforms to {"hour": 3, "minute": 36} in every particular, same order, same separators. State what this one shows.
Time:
{"hour": 2, "minute": 15}
